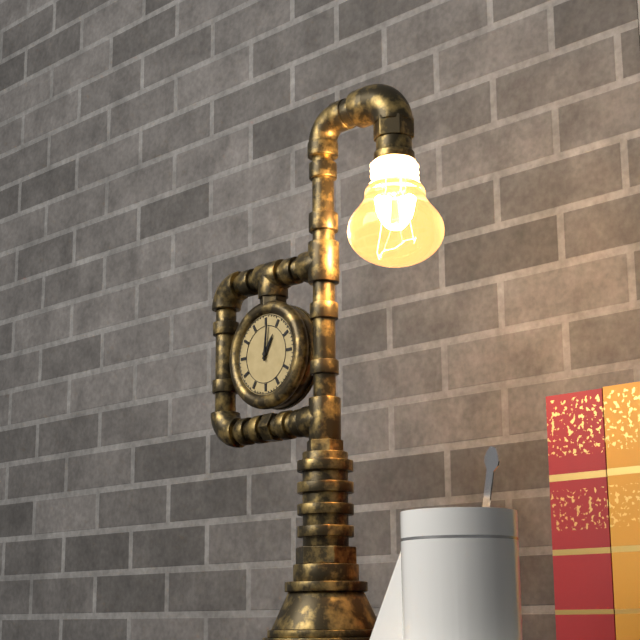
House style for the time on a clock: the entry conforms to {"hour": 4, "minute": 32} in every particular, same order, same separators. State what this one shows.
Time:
{"hour": 1, "minute": 1}
